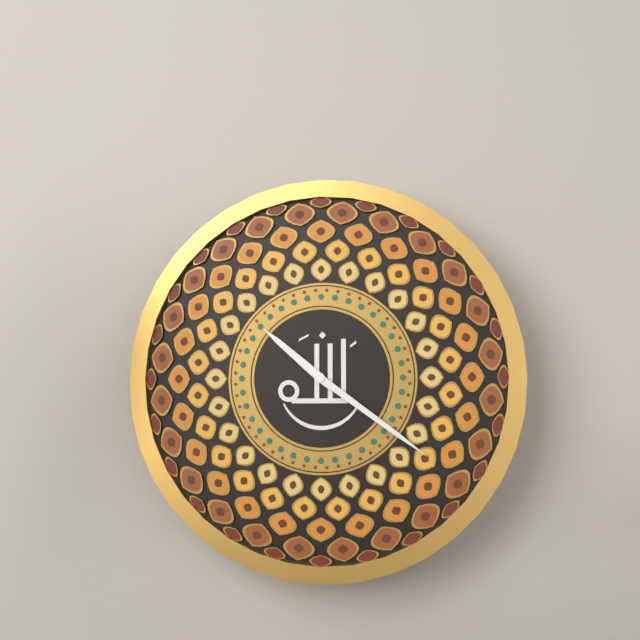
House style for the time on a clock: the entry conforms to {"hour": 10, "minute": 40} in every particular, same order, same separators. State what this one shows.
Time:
{"hour": 10, "minute": 21}
